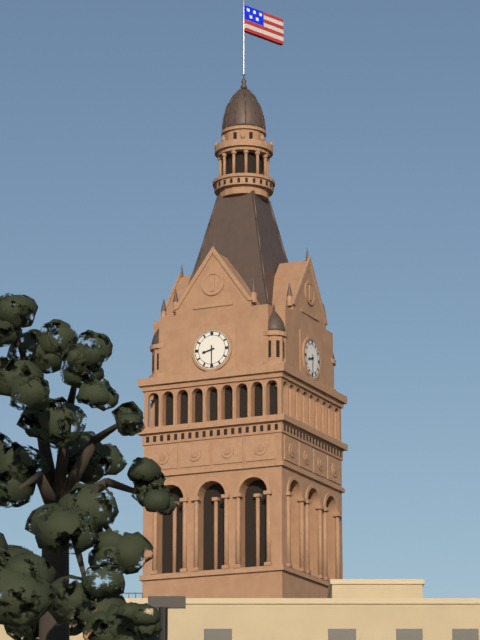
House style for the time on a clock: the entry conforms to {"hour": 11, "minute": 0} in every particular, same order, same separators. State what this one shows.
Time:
{"hour": 8, "minute": 30}
